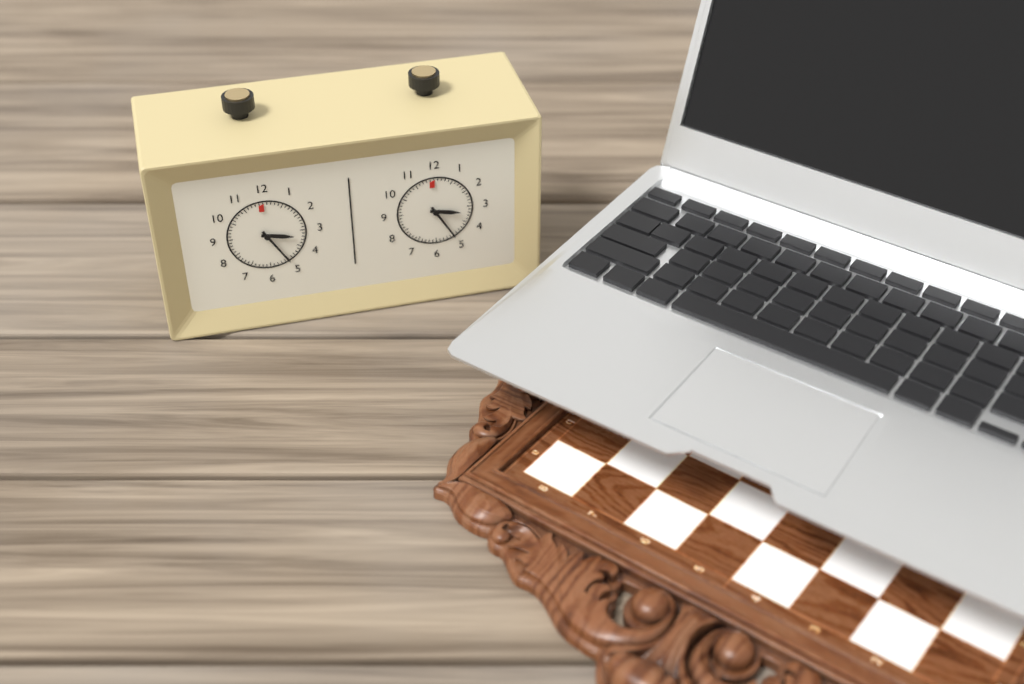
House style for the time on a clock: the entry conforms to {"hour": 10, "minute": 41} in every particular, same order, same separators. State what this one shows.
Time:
{"hour": 3, "minute": 25}
